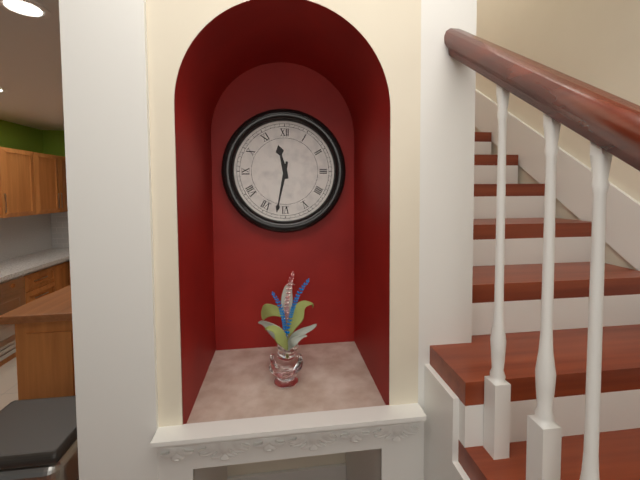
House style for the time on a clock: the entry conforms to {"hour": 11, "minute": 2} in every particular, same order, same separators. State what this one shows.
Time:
{"hour": 11, "minute": 32}
